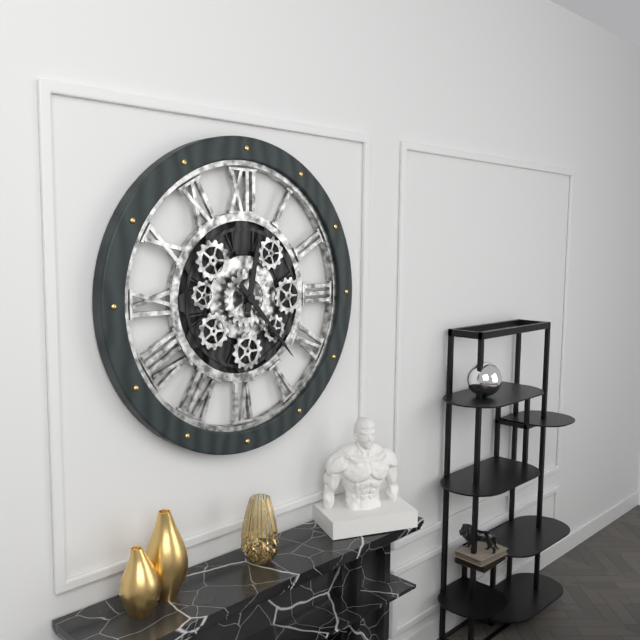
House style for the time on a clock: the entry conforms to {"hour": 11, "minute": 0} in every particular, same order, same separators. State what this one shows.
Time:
{"hour": 12, "minute": 23}
